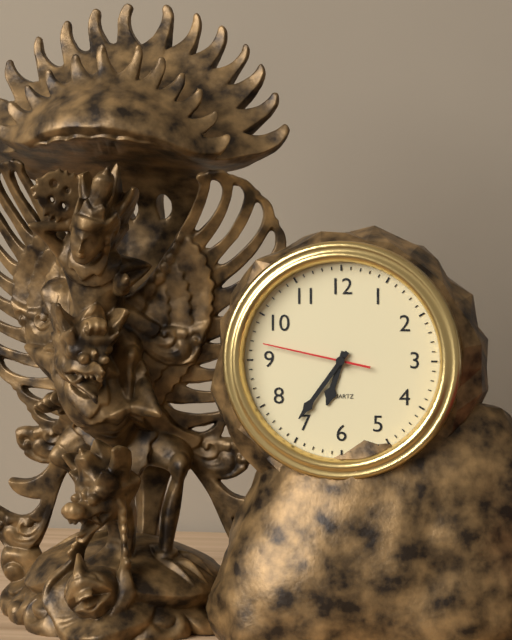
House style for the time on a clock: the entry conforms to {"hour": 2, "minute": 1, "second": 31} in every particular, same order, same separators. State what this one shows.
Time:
{"hour": 6, "minute": 36, "second": 47}
